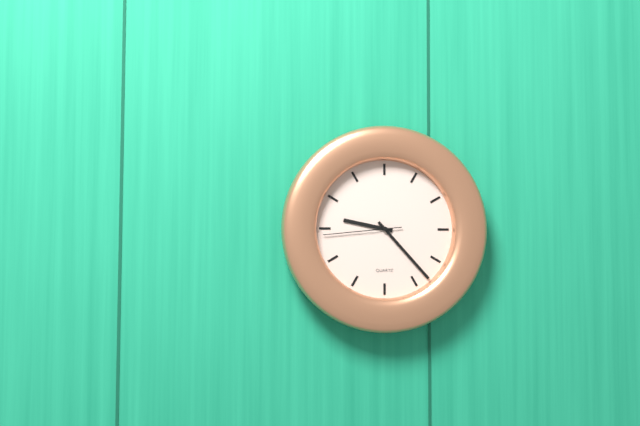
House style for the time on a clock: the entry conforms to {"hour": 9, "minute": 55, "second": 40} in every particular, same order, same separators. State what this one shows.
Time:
{"hour": 9, "minute": 23, "second": 44}
